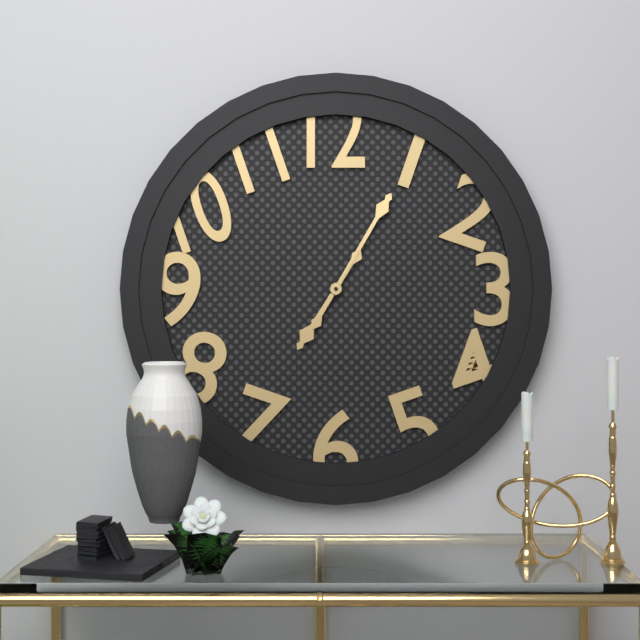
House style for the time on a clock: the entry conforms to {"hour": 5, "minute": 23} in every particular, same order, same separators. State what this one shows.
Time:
{"hour": 7, "minute": 5}
